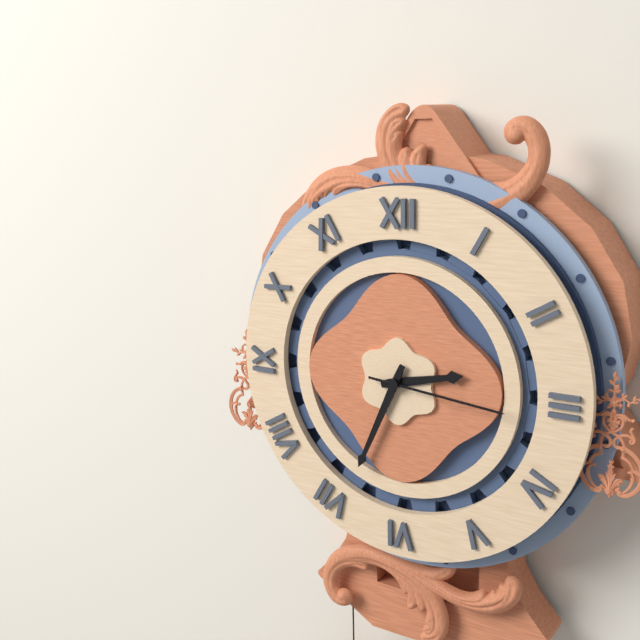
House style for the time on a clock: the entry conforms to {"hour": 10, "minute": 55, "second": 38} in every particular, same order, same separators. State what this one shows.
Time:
{"hour": 2, "minute": 34, "second": 16}
